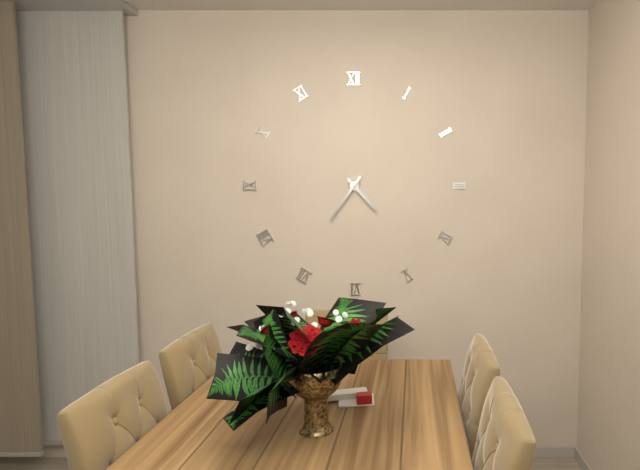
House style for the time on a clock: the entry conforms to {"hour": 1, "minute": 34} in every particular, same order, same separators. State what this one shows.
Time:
{"hour": 4, "minute": 36}
